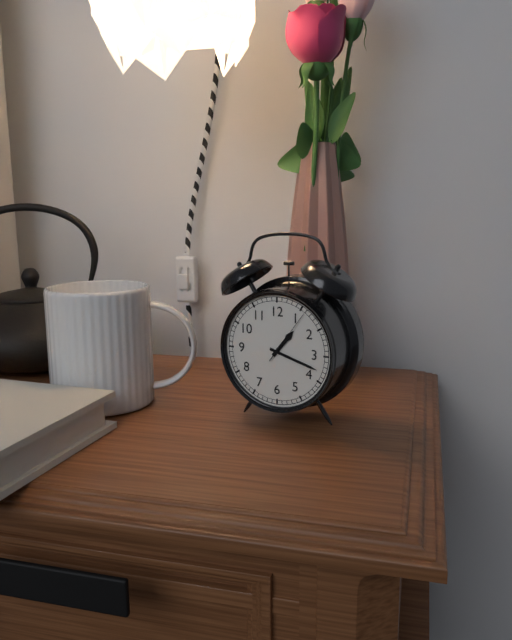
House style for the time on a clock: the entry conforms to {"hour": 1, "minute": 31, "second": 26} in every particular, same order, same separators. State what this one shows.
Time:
{"hour": 1, "minute": 18, "second": 6}
